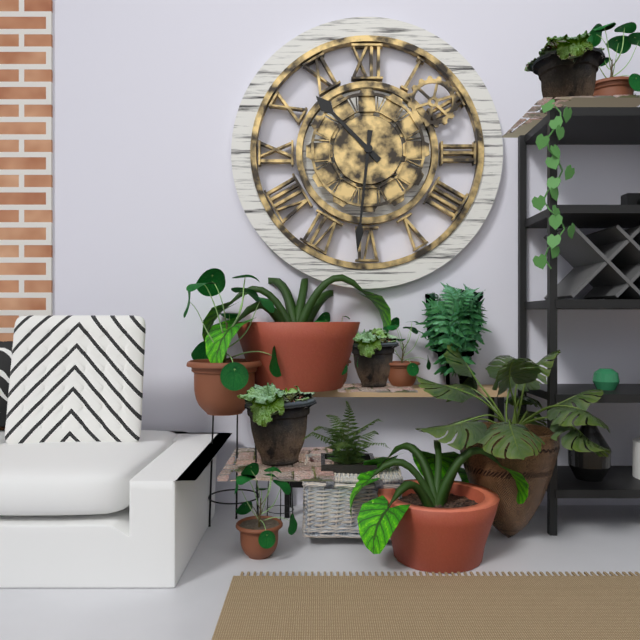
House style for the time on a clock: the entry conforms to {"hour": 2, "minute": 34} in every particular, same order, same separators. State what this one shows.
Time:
{"hour": 10, "minute": 31}
